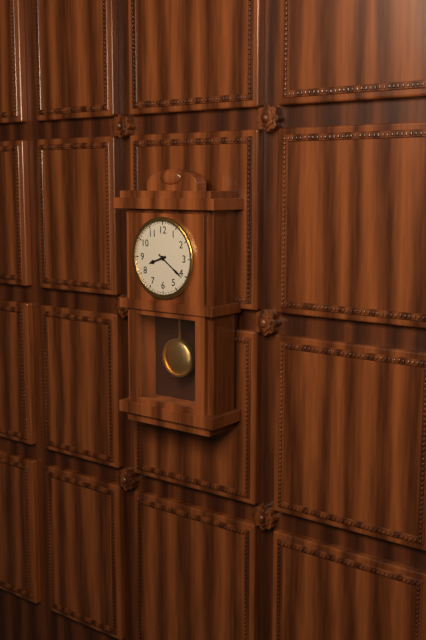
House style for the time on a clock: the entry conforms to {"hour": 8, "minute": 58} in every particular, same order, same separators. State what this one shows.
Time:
{"hour": 8, "minute": 21}
